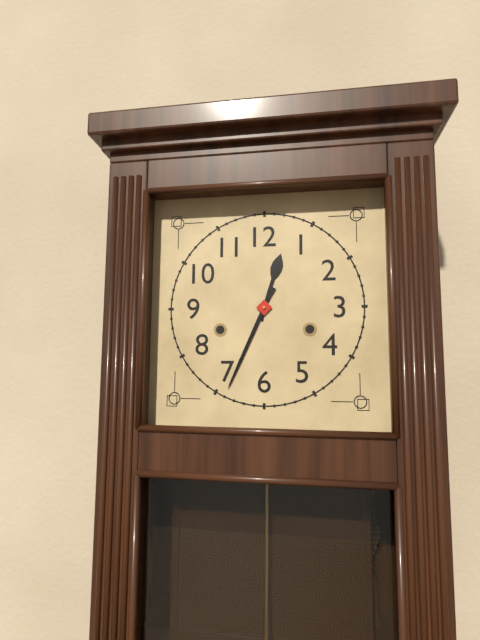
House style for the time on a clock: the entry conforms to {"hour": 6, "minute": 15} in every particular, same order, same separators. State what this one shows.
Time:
{"hour": 12, "minute": 34}
